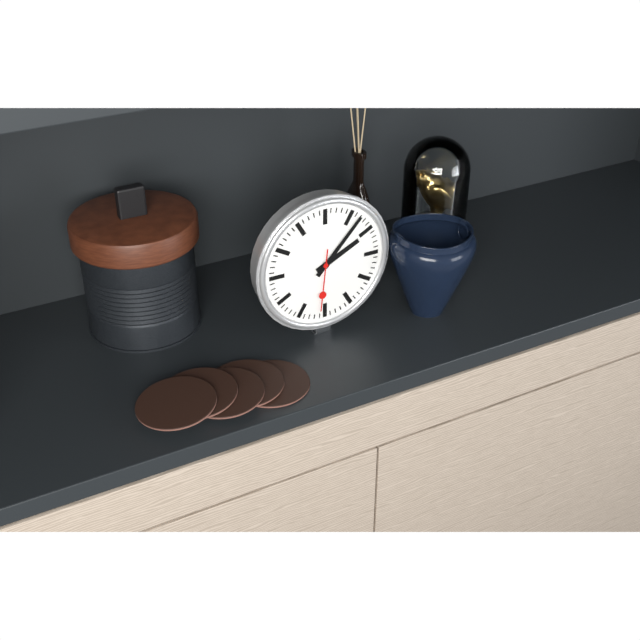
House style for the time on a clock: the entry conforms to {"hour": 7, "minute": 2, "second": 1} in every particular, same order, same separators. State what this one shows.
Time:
{"hour": 2, "minute": 7, "second": 31}
